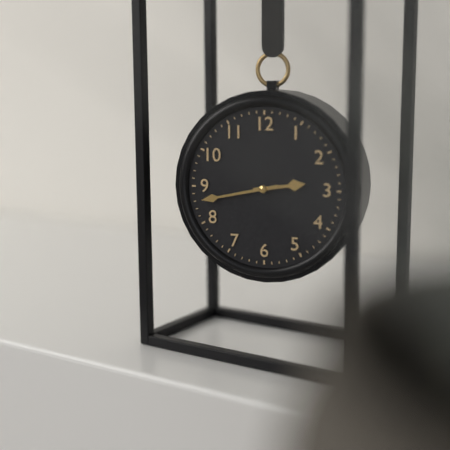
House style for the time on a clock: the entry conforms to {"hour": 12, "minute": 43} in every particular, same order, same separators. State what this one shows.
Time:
{"hour": 2, "minute": 43}
